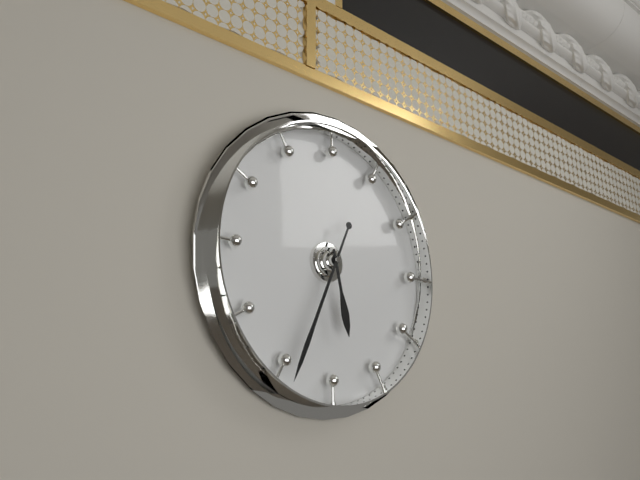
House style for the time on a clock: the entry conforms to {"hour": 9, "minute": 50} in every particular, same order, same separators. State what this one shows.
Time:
{"hour": 5, "minute": 34}
